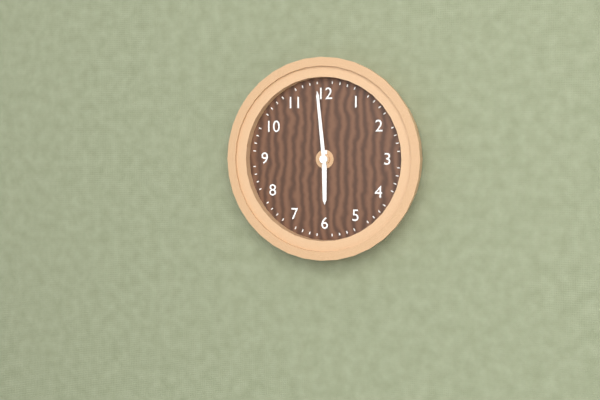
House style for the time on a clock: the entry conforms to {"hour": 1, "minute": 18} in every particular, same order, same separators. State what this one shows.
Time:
{"hour": 5, "minute": 59}
